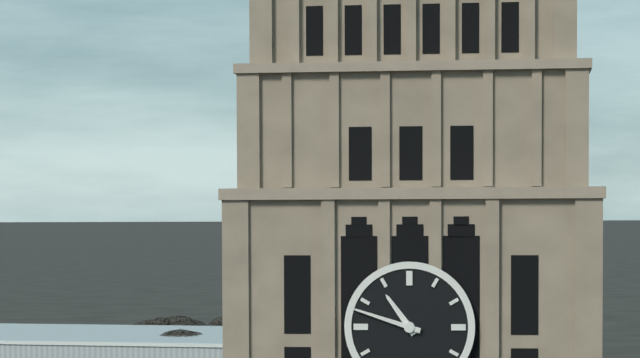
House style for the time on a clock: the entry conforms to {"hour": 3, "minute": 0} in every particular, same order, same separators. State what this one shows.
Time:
{"hour": 10, "minute": 48}
